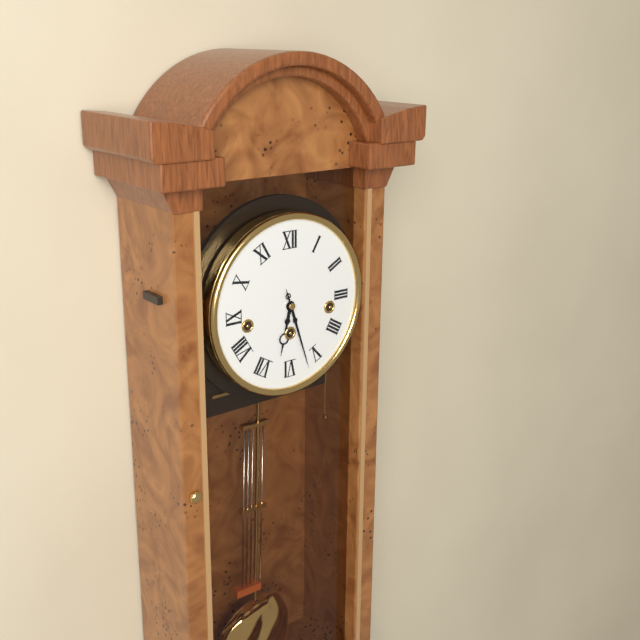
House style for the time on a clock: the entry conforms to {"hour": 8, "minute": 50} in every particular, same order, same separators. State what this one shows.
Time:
{"hour": 6, "minute": 27}
